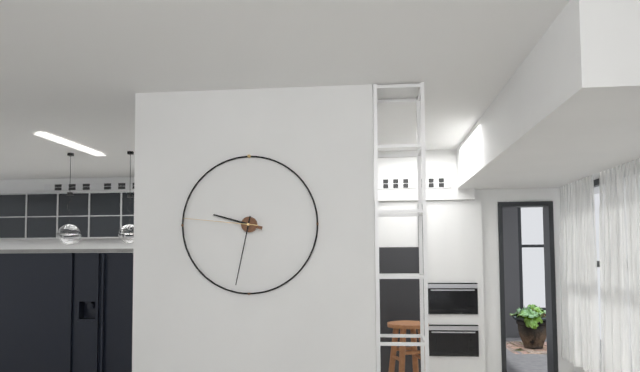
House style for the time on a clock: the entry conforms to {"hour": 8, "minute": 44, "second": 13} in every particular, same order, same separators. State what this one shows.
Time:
{"hour": 9, "minute": 32, "second": 46}
